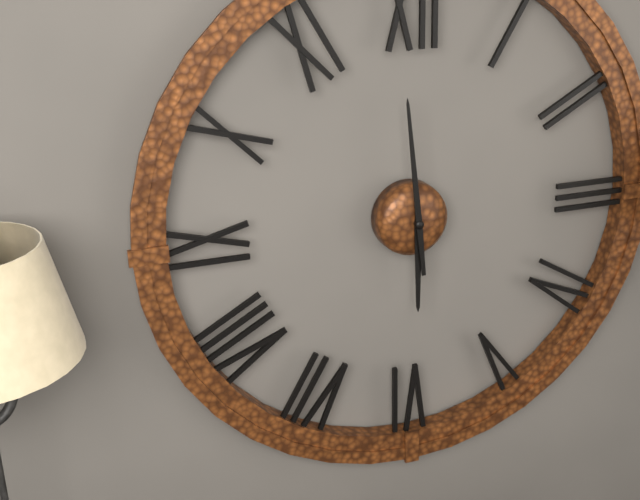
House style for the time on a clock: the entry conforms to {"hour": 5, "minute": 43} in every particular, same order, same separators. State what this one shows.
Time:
{"hour": 5, "minute": 59}
